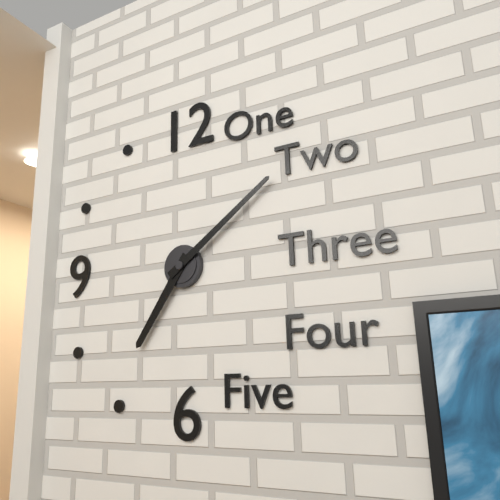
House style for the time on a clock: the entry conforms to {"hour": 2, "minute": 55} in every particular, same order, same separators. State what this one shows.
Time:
{"hour": 7, "minute": 9}
